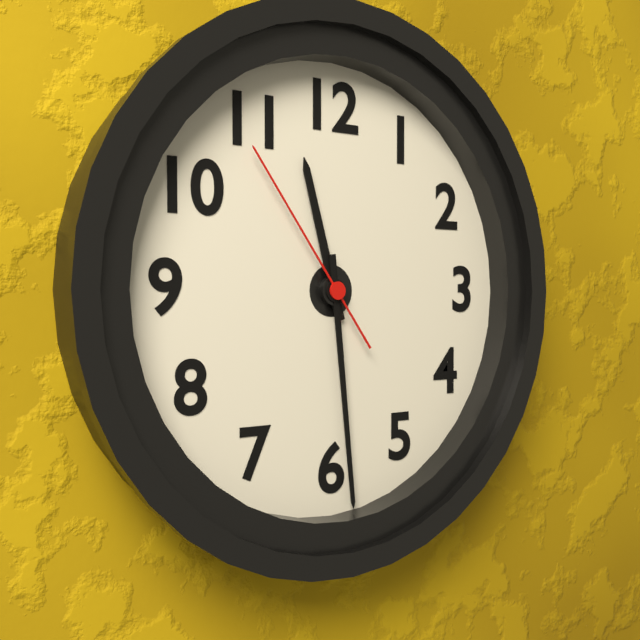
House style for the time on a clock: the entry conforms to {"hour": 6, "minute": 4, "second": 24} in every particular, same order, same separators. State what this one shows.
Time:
{"hour": 11, "minute": 29, "second": 54}
